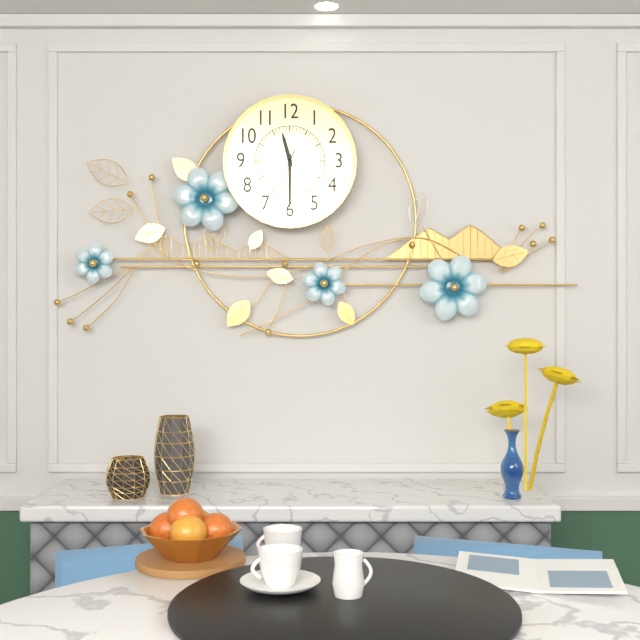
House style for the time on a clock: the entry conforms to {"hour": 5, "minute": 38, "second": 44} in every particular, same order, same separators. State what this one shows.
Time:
{"hour": 11, "minute": 30, "second": 34}
